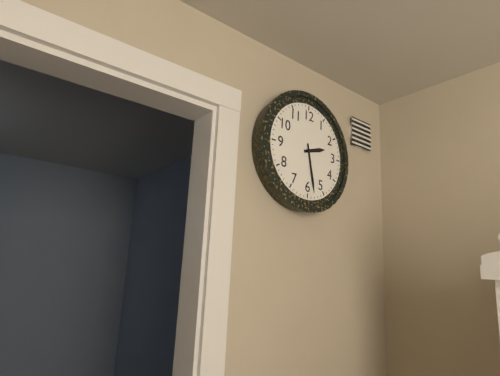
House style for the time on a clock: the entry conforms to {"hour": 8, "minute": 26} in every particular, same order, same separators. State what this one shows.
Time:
{"hour": 2, "minute": 28}
